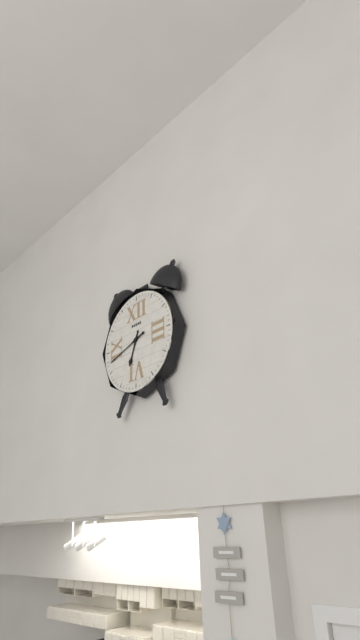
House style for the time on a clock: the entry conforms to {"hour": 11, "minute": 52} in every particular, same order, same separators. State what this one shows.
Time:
{"hour": 6, "minute": 42}
